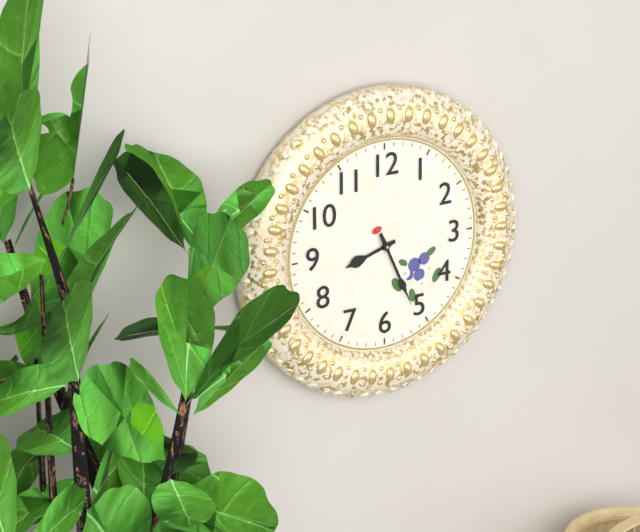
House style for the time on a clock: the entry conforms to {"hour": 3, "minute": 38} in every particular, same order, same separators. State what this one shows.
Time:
{"hour": 8, "minute": 26}
